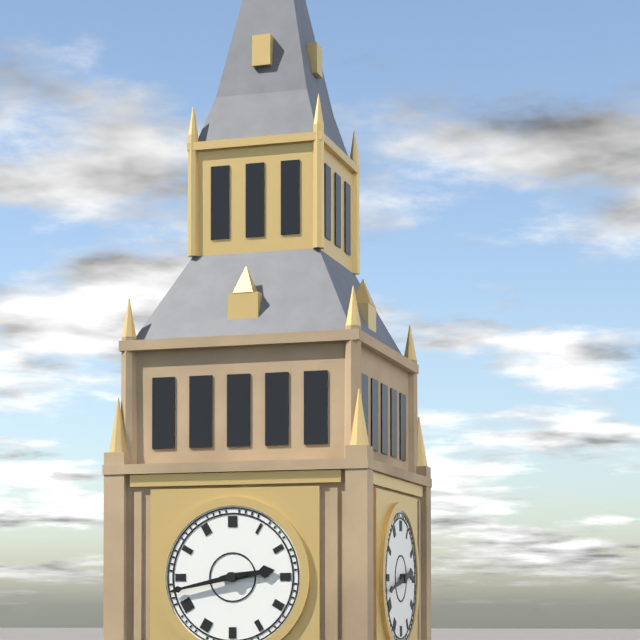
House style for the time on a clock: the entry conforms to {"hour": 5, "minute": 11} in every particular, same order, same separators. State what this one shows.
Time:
{"hour": 2, "minute": 43}
